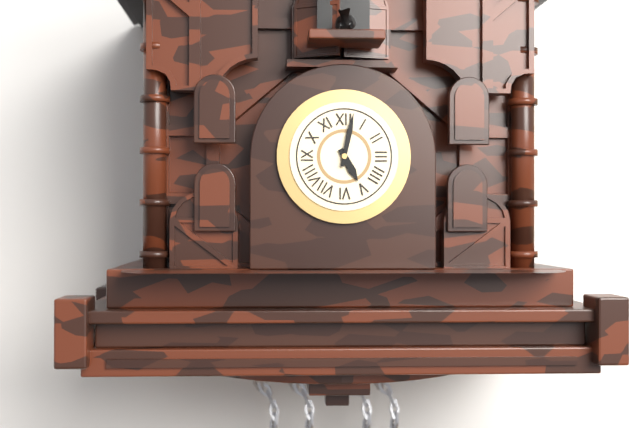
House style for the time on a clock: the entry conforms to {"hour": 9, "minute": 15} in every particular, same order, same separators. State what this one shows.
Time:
{"hour": 5, "minute": 2}
